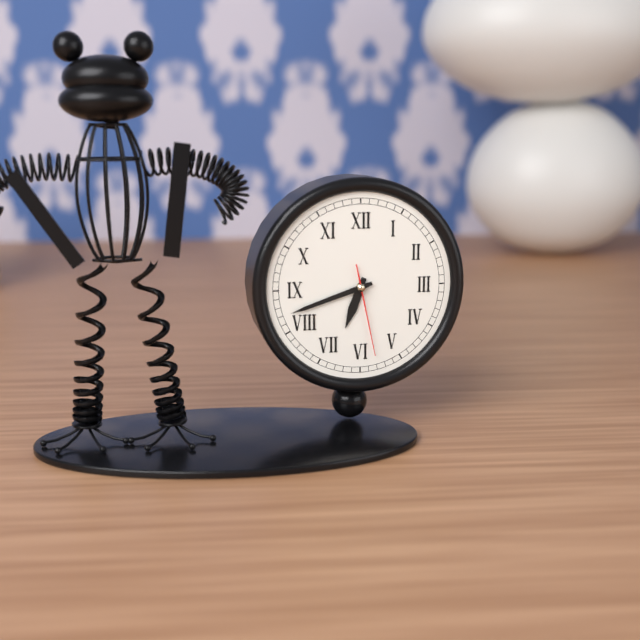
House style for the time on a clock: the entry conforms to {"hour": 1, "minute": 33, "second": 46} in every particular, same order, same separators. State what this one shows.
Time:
{"hour": 6, "minute": 42, "second": 28}
